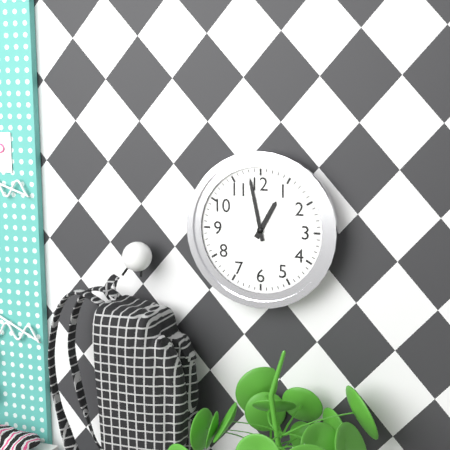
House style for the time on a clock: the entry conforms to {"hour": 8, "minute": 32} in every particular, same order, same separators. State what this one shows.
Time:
{"hour": 12, "minute": 58}
